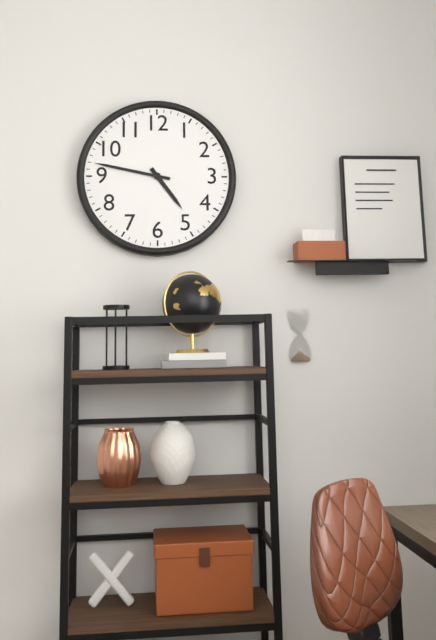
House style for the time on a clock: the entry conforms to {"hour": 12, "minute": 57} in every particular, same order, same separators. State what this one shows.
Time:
{"hour": 4, "minute": 47}
